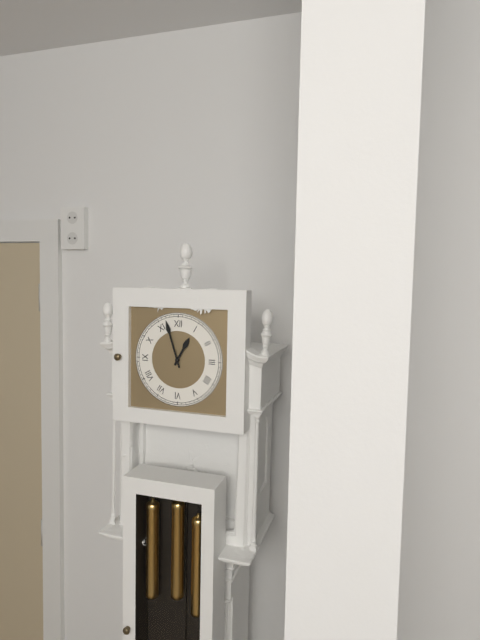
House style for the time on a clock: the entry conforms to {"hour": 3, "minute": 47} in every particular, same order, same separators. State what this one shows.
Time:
{"hour": 12, "minute": 57}
